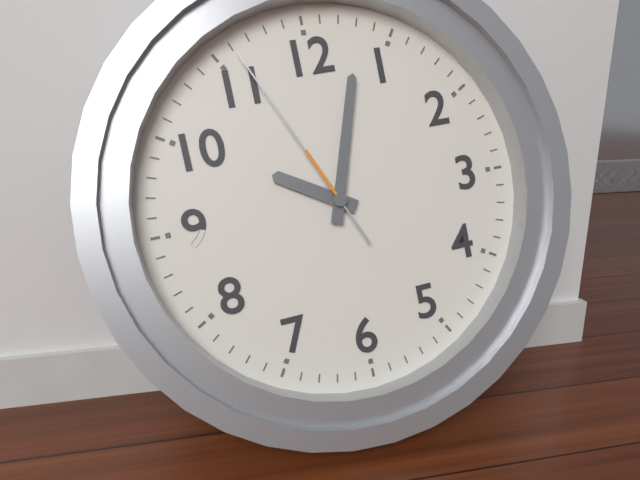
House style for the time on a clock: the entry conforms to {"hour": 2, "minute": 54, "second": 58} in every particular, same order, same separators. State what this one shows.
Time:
{"hour": 10, "minute": 3, "second": 56}
